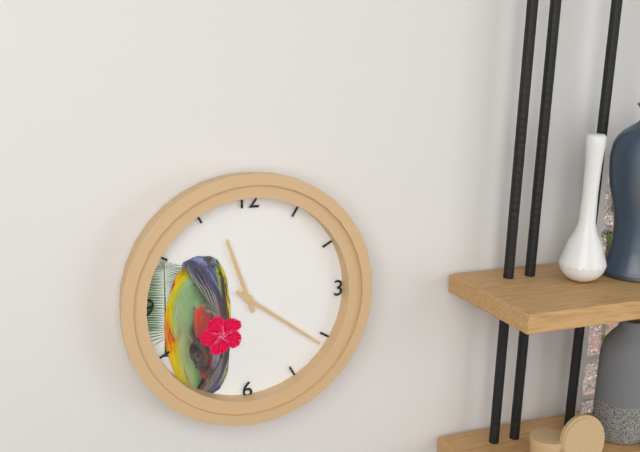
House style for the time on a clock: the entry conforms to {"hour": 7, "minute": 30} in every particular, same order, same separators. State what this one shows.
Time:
{"hour": 11, "minute": 21}
